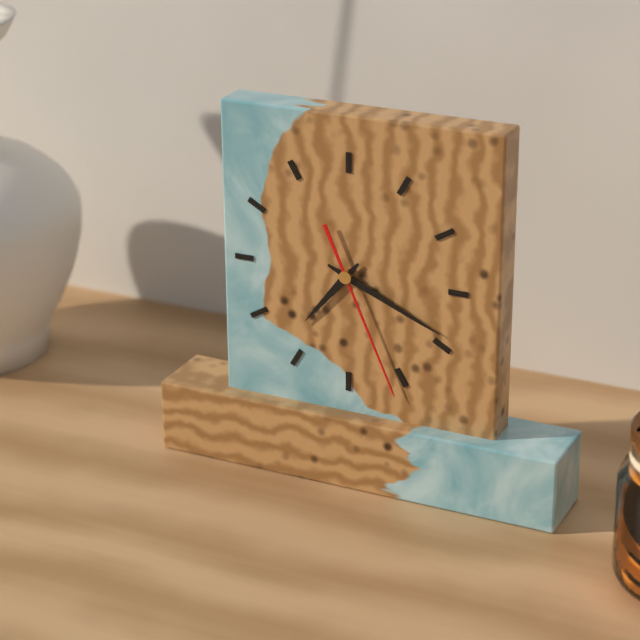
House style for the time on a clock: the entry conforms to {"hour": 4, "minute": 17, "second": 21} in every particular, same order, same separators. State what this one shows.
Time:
{"hour": 7, "minute": 19, "second": 26}
